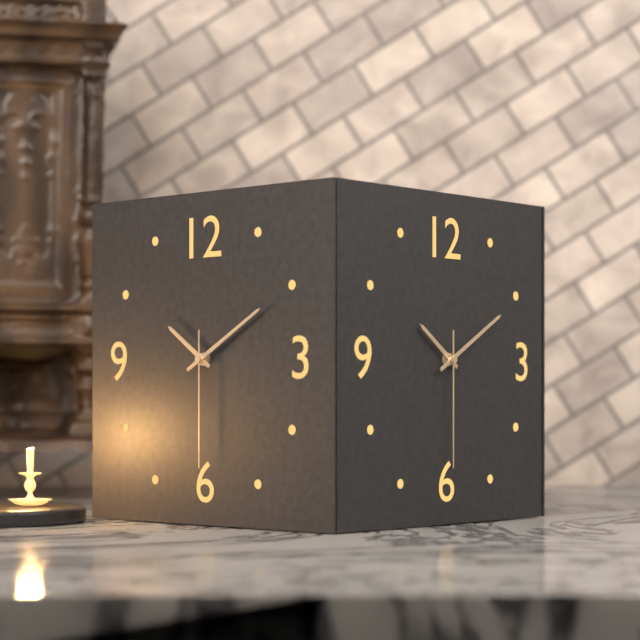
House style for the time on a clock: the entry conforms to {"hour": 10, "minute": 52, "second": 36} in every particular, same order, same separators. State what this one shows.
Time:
{"hour": 10, "minute": 10, "second": 30}
